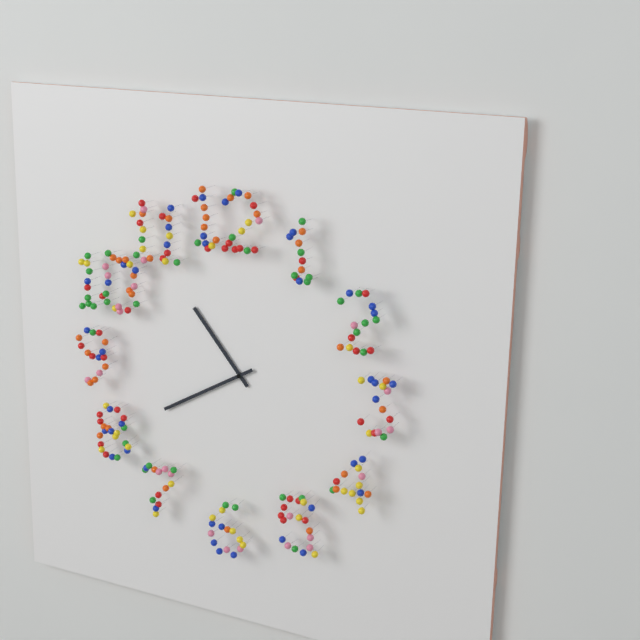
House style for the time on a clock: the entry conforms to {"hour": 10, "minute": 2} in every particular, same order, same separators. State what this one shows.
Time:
{"hour": 10, "minute": 40}
